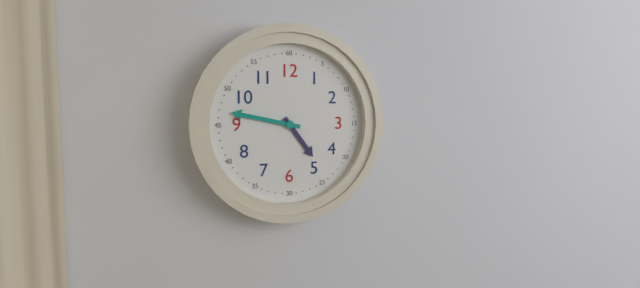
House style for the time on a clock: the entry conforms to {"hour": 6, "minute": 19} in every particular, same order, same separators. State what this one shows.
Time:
{"hour": 4, "minute": 47}
